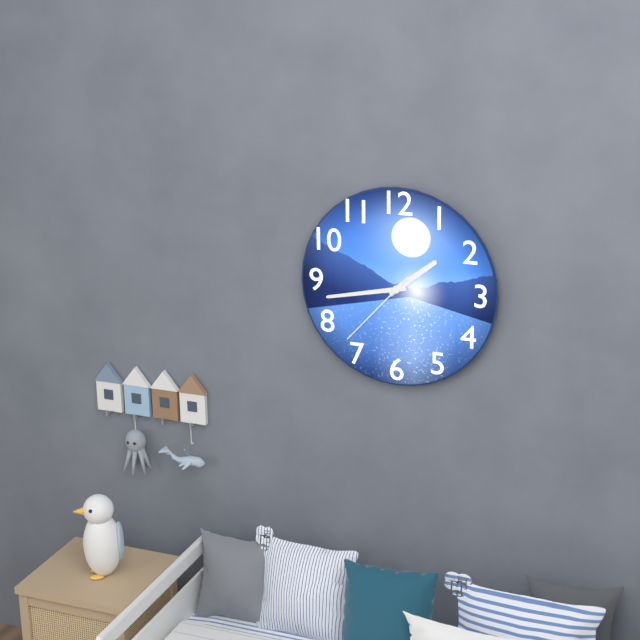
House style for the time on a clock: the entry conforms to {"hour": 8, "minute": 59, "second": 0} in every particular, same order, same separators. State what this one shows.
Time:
{"hour": 1, "minute": 43, "second": 37}
